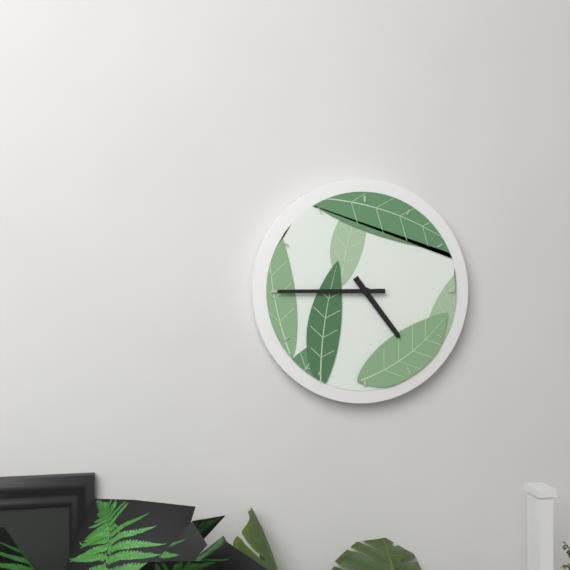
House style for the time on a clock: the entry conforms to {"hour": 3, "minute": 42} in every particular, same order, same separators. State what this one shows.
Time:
{"hour": 4, "minute": 45}
